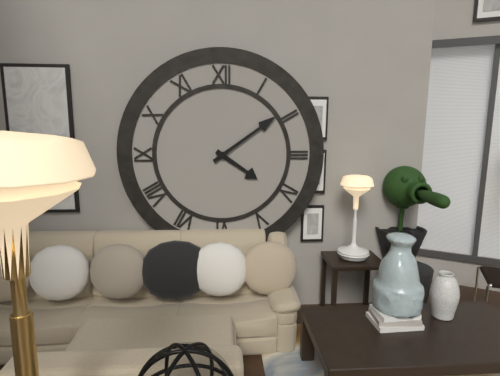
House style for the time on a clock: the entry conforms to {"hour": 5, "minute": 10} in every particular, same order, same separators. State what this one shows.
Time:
{"hour": 4, "minute": 9}
